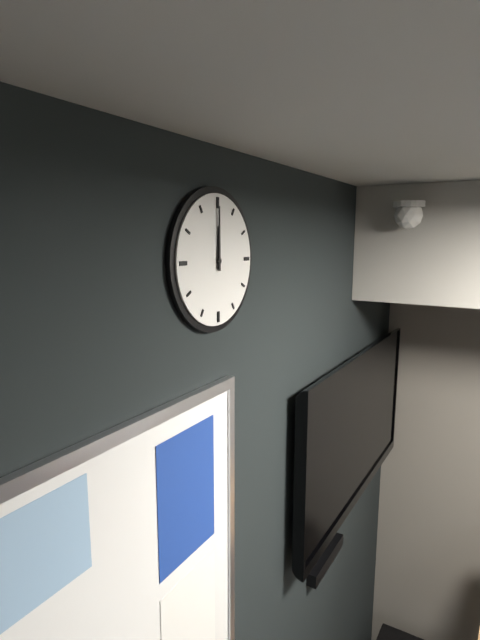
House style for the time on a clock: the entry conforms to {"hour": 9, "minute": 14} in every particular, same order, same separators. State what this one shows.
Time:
{"hour": 12, "minute": 0}
